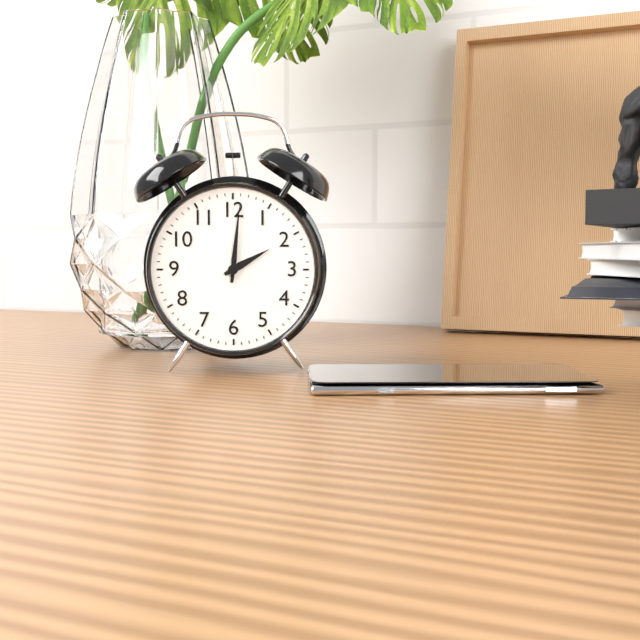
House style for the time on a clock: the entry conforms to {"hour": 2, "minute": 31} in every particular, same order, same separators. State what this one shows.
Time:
{"hour": 2, "minute": 1}
